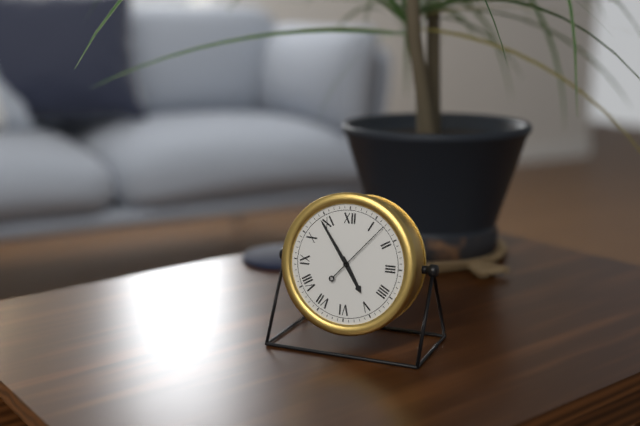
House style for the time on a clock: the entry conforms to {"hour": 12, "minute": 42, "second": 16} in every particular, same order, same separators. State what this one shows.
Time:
{"hour": 4, "minute": 54, "second": 7}
